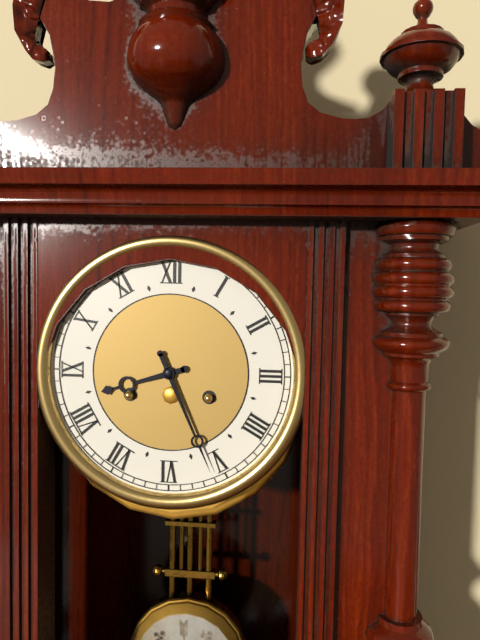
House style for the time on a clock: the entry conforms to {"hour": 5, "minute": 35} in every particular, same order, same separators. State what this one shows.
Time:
{"hour": 8, "minute": 26}
